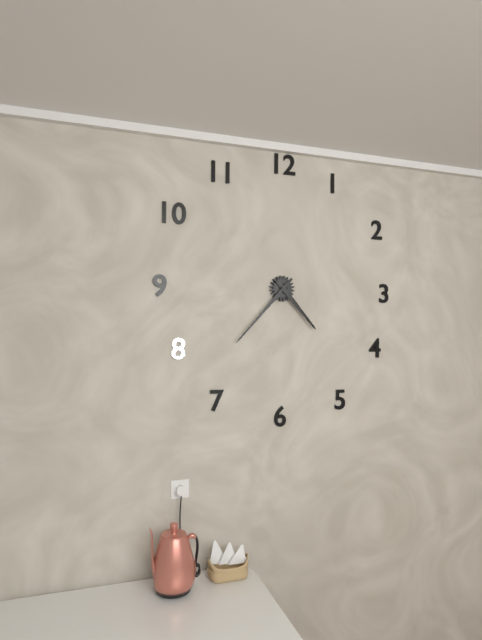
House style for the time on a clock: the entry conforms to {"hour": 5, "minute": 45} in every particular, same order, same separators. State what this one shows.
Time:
{"hour": 4, "minute": 37}
